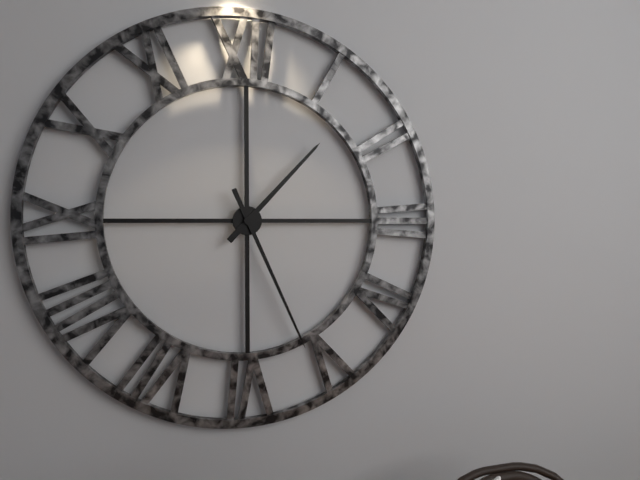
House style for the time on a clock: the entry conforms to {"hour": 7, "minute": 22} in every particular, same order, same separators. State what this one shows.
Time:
{"hour": 1, "minute": 26}
